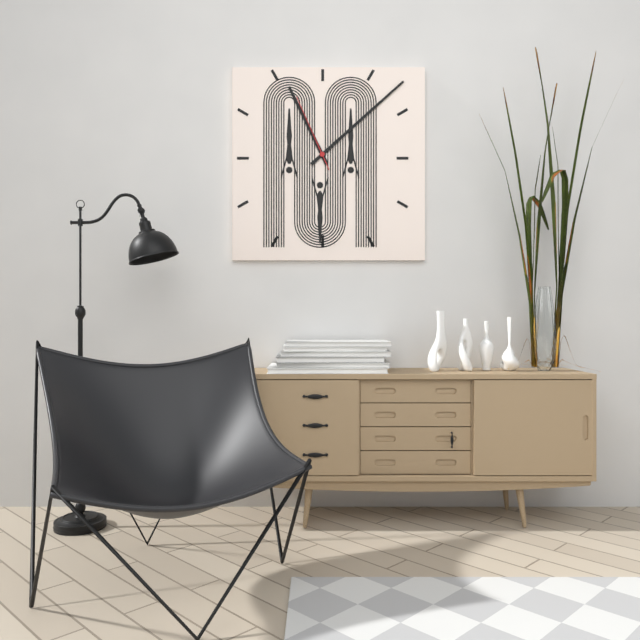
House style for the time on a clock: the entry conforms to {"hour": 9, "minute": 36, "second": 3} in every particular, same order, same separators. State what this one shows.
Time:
{"hour": 11, "minute": 8, "second": 56}
